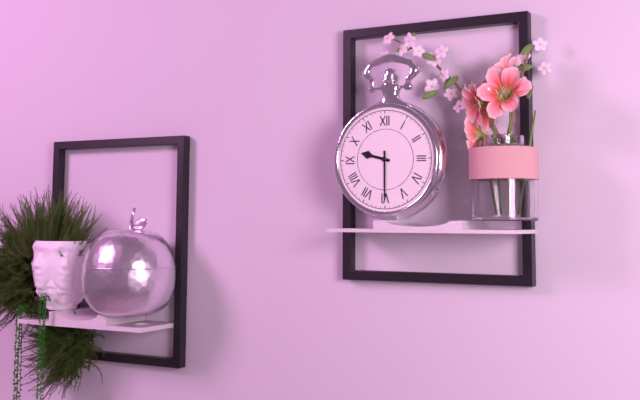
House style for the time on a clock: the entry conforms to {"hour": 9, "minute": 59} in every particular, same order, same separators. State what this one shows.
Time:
{"hour": 9, "minute": 30}
